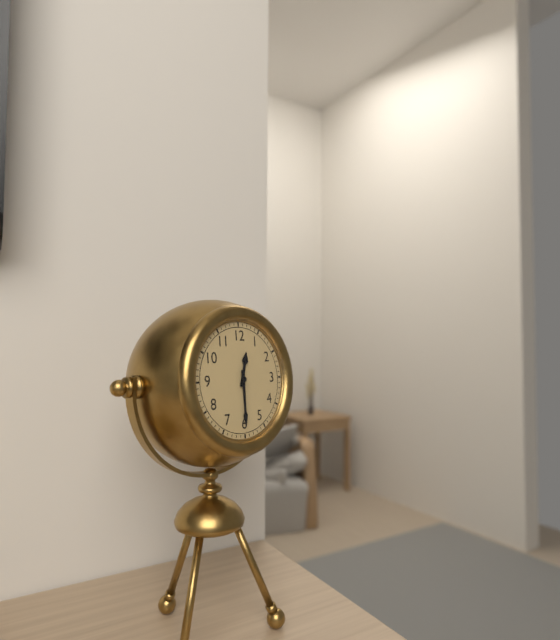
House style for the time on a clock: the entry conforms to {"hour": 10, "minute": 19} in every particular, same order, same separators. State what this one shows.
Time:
{"hour": 12, "minute": 30}
